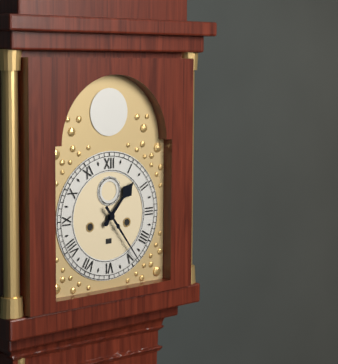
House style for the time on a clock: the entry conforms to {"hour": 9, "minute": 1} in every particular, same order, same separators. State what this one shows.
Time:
{"hour": 1, "minute": 24}
